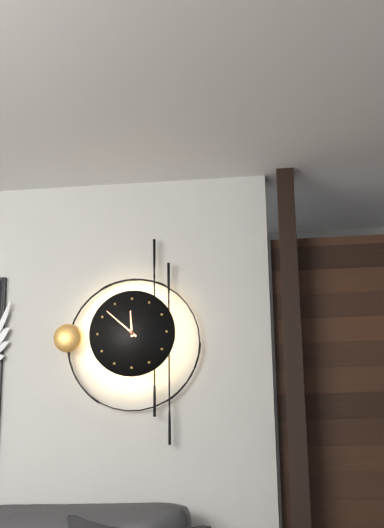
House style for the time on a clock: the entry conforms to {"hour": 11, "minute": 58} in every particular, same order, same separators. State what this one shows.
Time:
{"hour": 11, "minute": 52}
